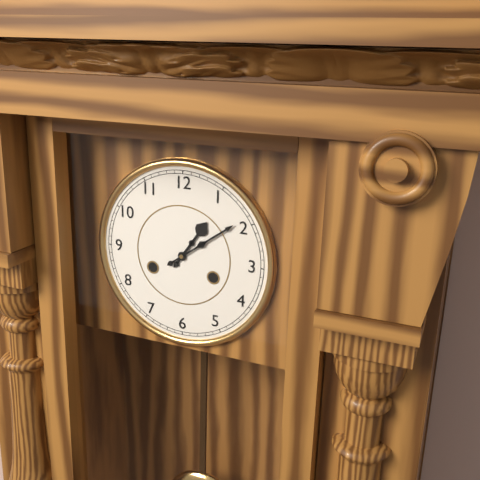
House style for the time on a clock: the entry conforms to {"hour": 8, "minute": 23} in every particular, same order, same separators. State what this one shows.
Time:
{"hour": 1, "minute": 9}
